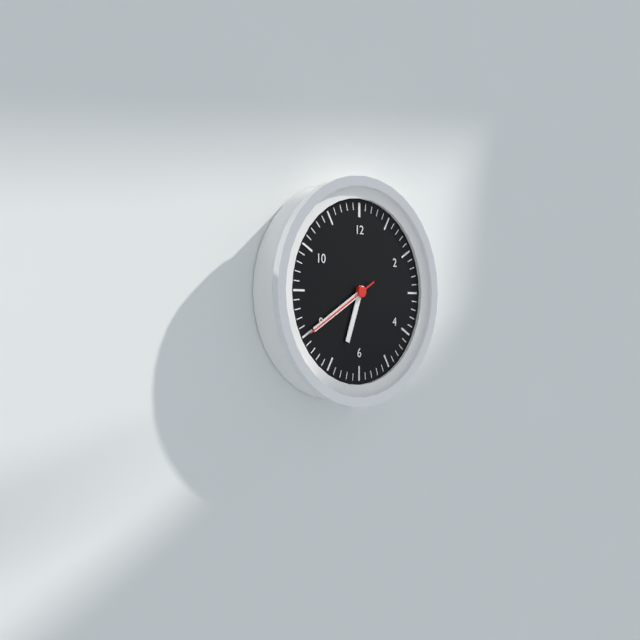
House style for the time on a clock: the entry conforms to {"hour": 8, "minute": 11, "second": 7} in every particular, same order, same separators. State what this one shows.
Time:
{"hour": 6, "minute": 40, "second": 40}
